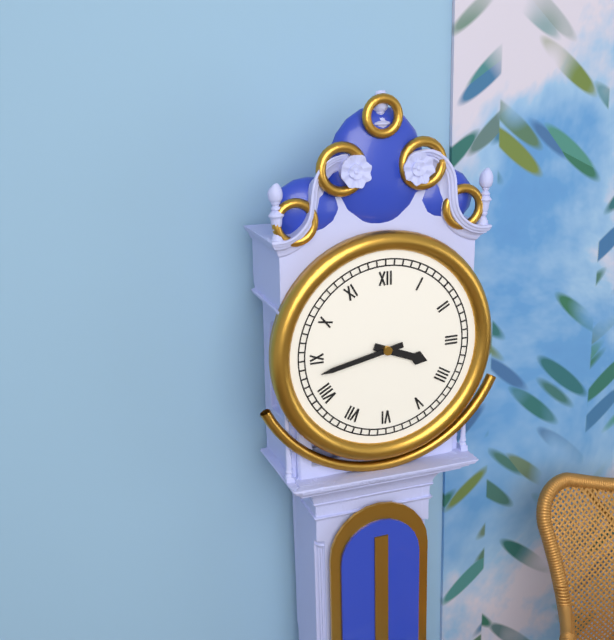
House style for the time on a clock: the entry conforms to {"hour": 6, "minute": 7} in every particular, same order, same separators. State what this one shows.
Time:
{"hour": 3, "minute": 43}
